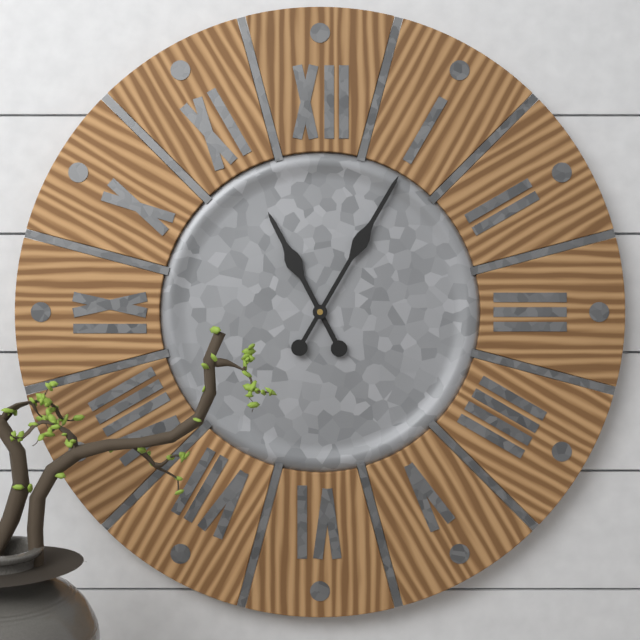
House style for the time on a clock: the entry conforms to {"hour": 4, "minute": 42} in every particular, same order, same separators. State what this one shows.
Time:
{"hour": 11, "minute": 5}
